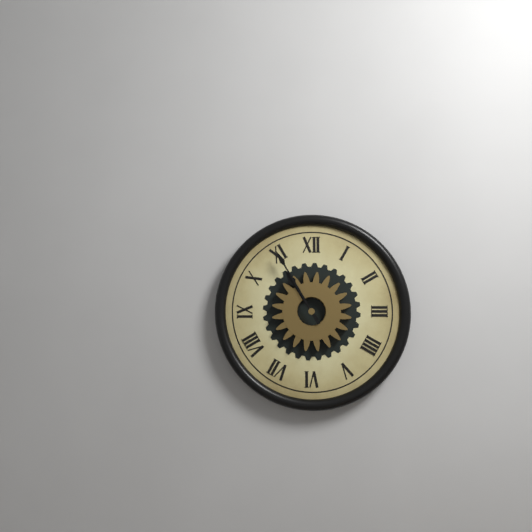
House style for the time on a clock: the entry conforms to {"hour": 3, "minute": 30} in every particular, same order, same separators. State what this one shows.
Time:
{"hour": 10, "minute": 55}
